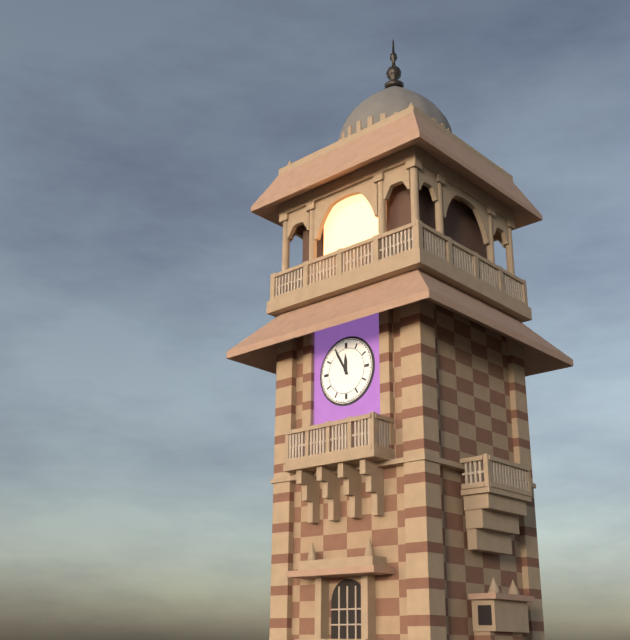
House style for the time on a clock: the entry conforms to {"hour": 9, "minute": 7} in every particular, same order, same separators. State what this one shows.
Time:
{"hour": 11, "minute": 55}
